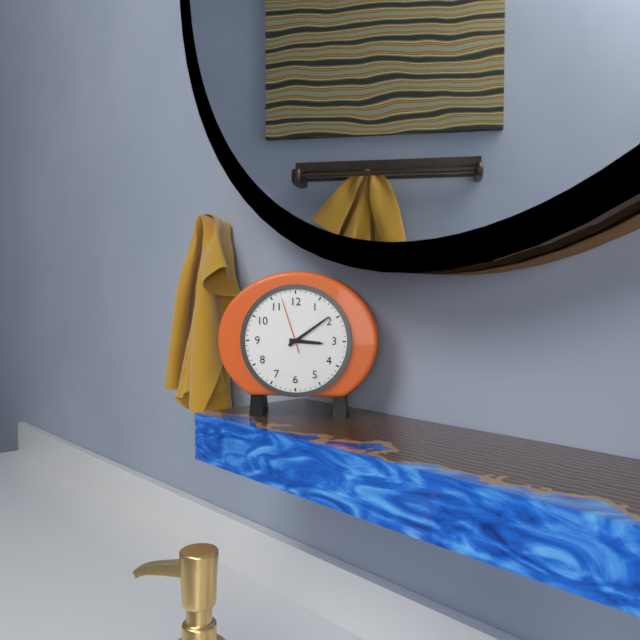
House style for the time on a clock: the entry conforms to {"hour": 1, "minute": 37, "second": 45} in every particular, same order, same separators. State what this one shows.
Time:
{"hour": 3, "minute": 9, "second": 57}
